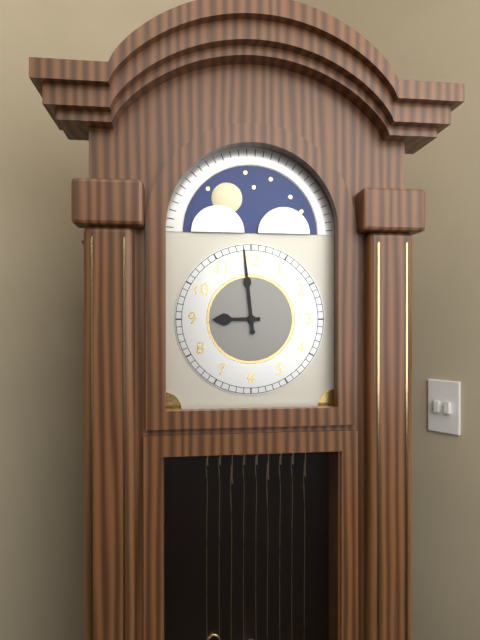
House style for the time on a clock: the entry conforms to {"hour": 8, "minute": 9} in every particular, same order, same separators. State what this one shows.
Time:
{"hour": 8, "minute": 59}
